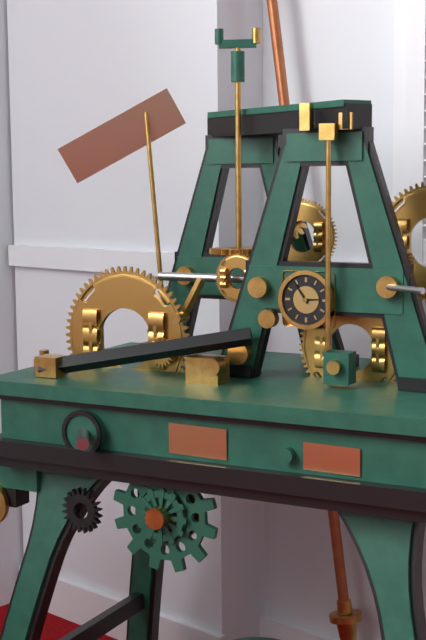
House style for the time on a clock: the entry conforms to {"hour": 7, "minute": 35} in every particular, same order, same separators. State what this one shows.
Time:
{"hour": 2, "minute": 54}
